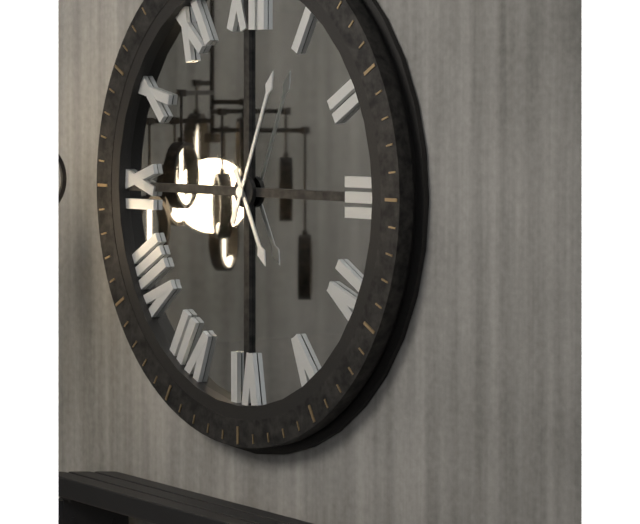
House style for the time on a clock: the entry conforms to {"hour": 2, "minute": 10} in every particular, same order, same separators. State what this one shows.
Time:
{"hour": 5, "minute": 4}
